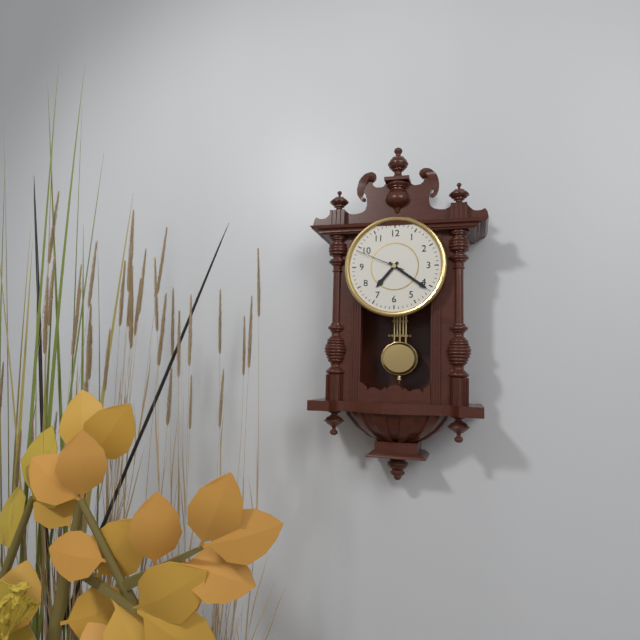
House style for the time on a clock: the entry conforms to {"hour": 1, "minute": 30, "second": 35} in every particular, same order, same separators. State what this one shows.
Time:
{"hour": 7, "minute": 21, "second": 49}
